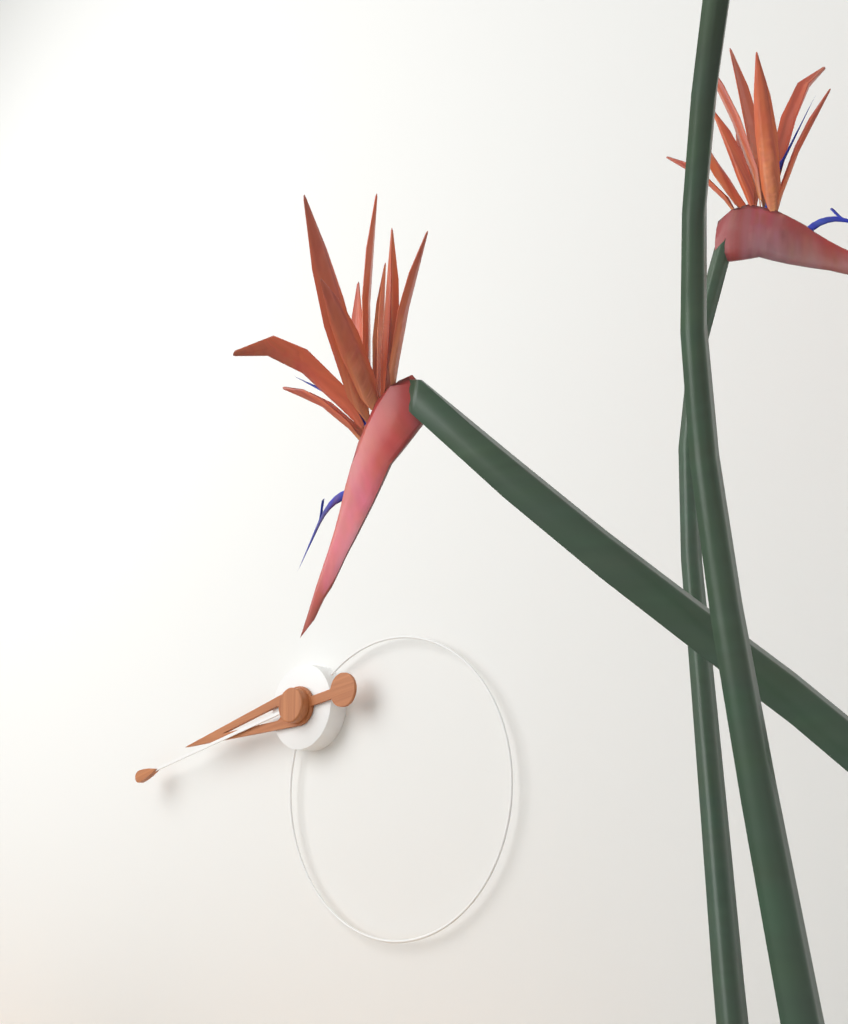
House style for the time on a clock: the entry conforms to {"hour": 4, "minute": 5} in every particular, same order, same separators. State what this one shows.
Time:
{"hour": 8, "minute": 43}
